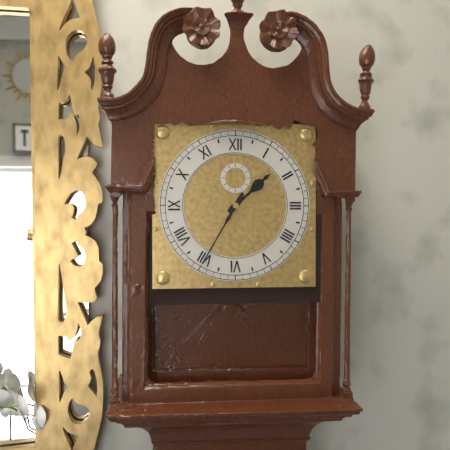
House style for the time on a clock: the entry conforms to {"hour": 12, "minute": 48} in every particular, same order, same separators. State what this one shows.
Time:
{"hour": 1, "minute": 35}
